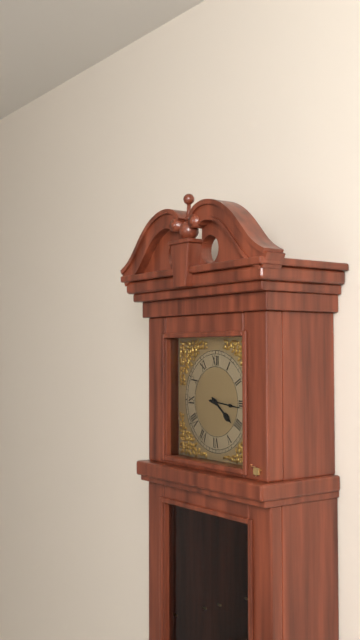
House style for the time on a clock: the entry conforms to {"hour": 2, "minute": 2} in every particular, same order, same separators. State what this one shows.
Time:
{"hour": 4, "minute": 16}
